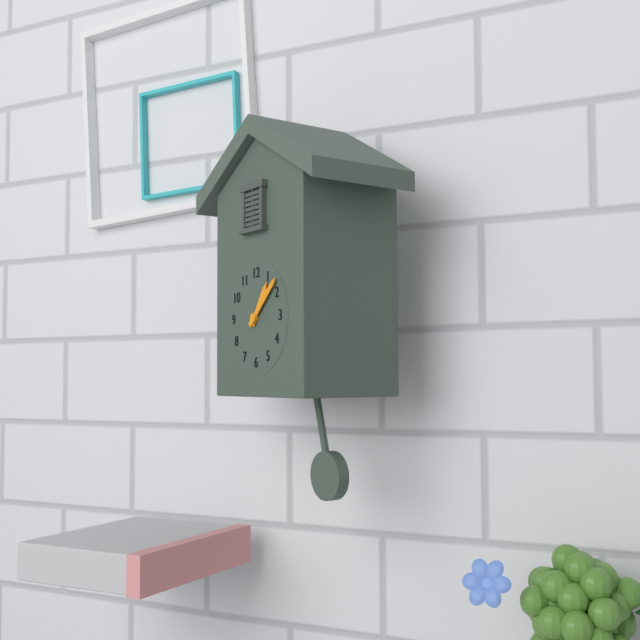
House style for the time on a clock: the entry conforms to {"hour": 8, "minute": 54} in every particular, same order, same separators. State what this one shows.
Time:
{"hour": 1, "minute": 8}
